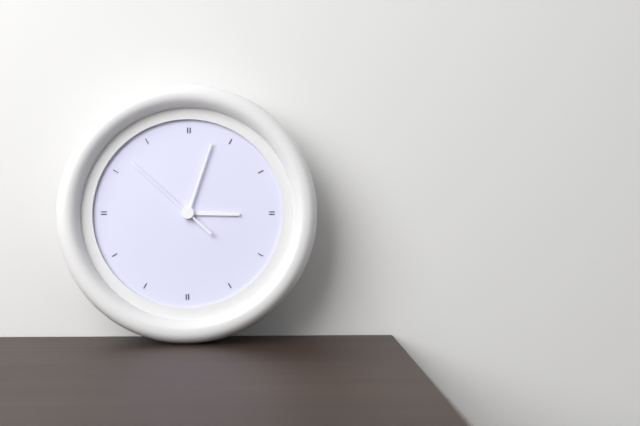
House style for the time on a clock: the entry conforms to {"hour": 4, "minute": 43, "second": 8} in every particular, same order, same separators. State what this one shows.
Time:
{"hour": 3, "minute": 3, "second": 52}
